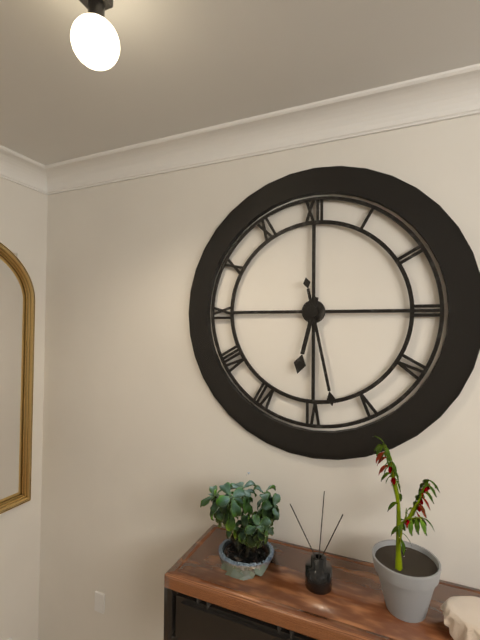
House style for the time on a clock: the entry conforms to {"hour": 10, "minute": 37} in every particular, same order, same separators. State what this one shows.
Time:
{"hour": 6, "minute": 28}
